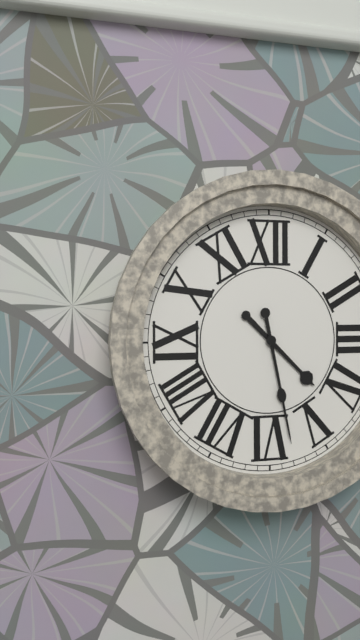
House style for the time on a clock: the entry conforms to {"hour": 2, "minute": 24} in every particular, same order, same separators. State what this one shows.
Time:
{"hour": 4, "minute": 28}
